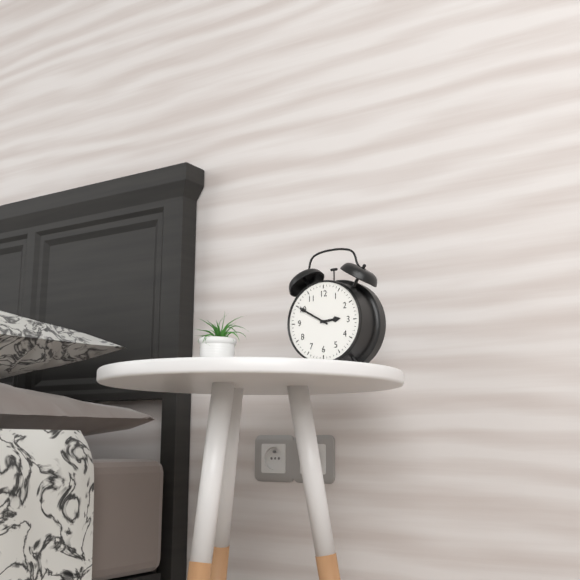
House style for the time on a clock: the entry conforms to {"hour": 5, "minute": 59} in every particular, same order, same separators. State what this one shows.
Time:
{"hour": 2, "minute": 50}
